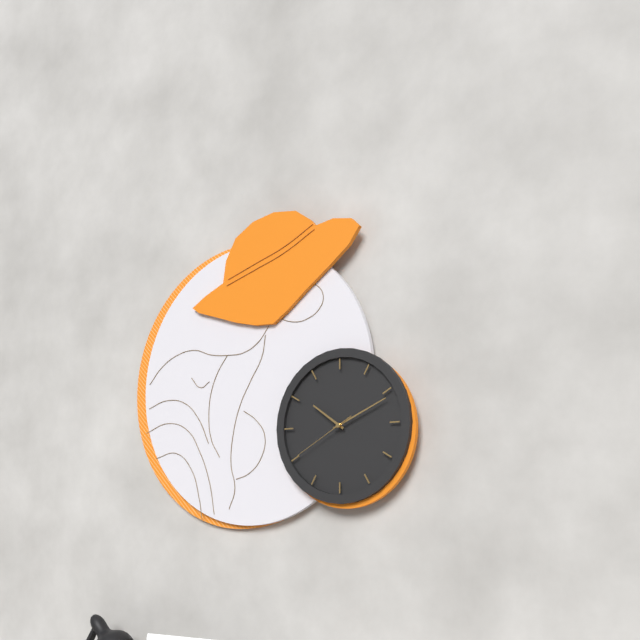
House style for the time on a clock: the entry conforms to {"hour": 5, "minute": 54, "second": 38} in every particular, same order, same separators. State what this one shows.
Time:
{"hour": 10, "minute": 11, "second": 40}
